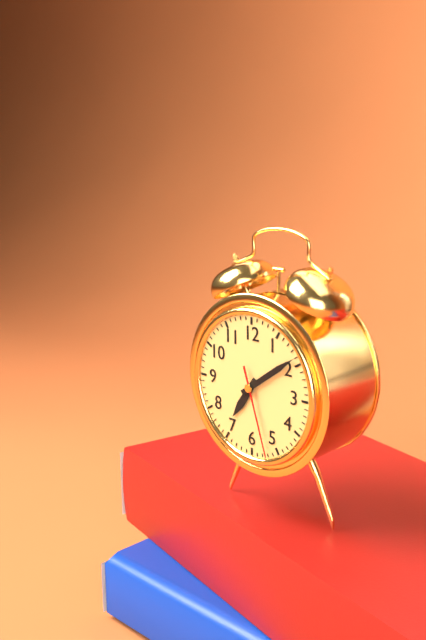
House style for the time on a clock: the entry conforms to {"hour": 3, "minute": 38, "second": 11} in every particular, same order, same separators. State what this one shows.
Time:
{"hour": 7, "minute": 9, "second": 27}
